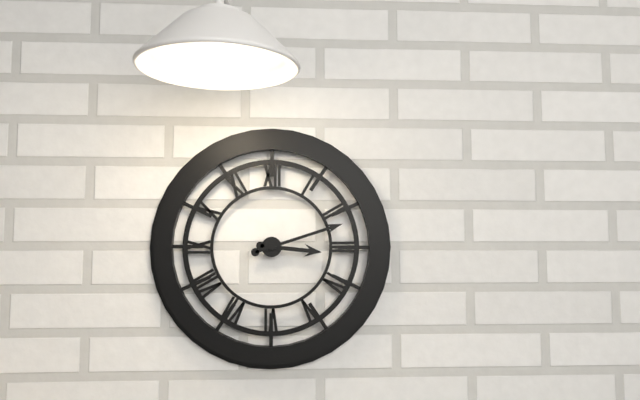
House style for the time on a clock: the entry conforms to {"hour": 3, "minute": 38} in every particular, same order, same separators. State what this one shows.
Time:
{"hour": 3, "minute": 12}
